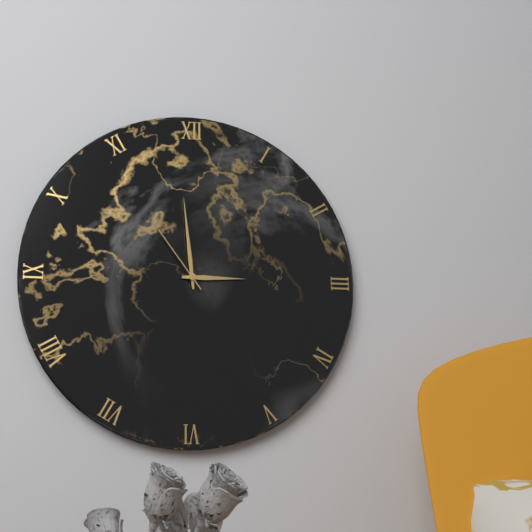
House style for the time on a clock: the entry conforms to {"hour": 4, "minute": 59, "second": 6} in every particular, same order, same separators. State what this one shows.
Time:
{"hour": 2, "minute": 59, "second": 54}
